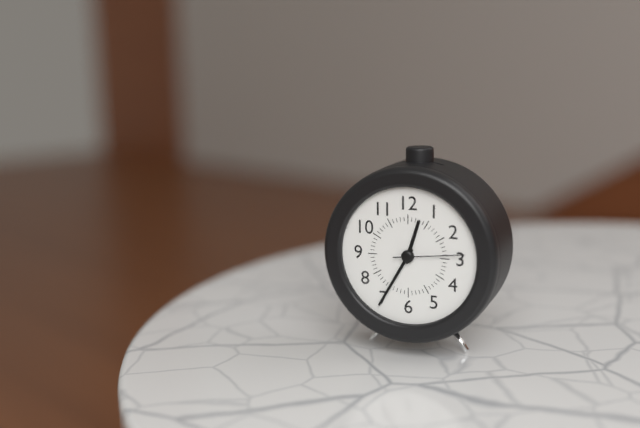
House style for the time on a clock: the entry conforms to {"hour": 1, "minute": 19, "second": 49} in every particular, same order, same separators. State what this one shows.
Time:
{"hour": 12, "minute": 35, "second": 14}
